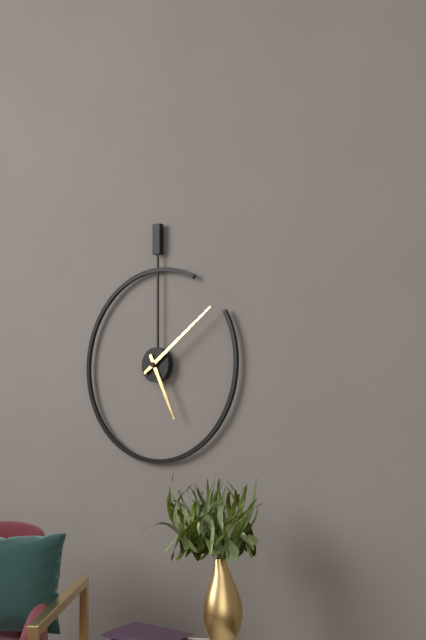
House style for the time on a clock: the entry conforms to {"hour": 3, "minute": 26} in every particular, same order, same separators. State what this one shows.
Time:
{"hour": 5, "minute": 9}
